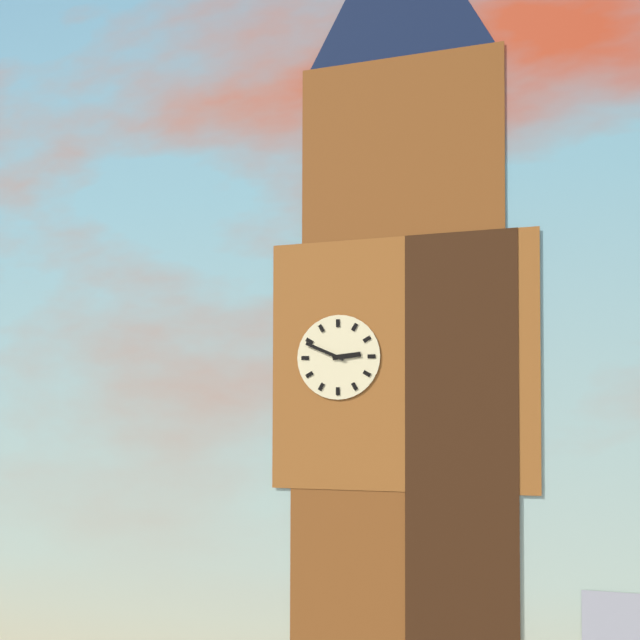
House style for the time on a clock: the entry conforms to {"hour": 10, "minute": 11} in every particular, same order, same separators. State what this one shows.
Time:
{"hour": 2, "minute": 49}
